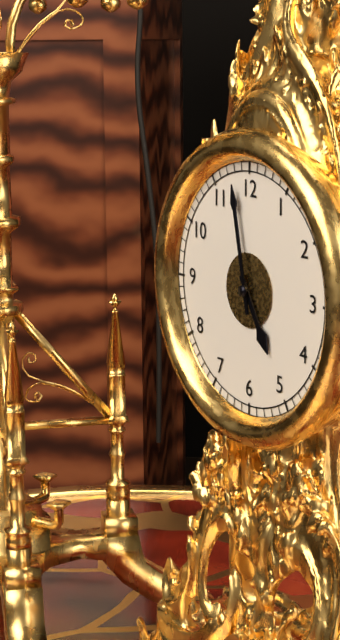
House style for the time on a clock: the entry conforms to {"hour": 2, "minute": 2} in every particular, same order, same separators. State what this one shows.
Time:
{"hour": 4, "minute": 58}
